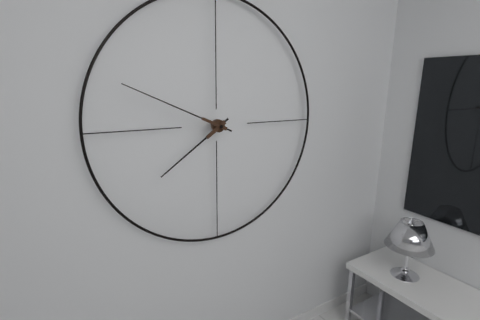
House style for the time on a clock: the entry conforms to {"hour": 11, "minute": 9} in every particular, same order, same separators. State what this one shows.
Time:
{"hour": 7, "minute": 49}
